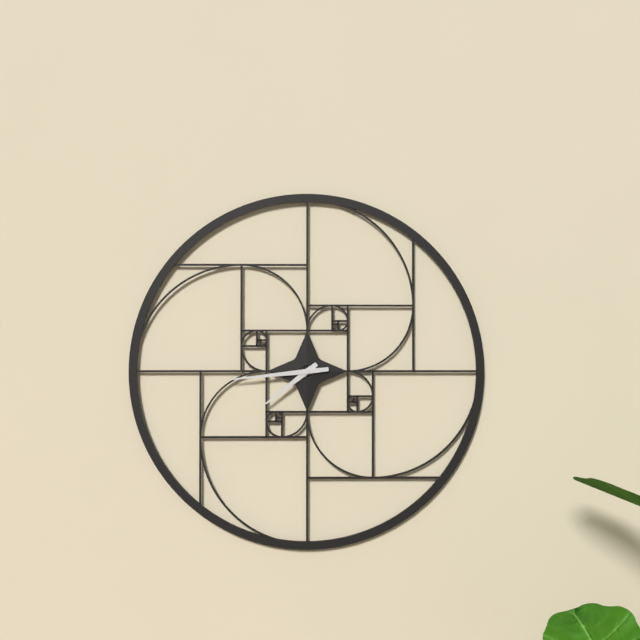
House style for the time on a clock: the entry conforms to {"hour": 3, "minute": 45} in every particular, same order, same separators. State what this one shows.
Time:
{"hour": 7, "minute": 44}
